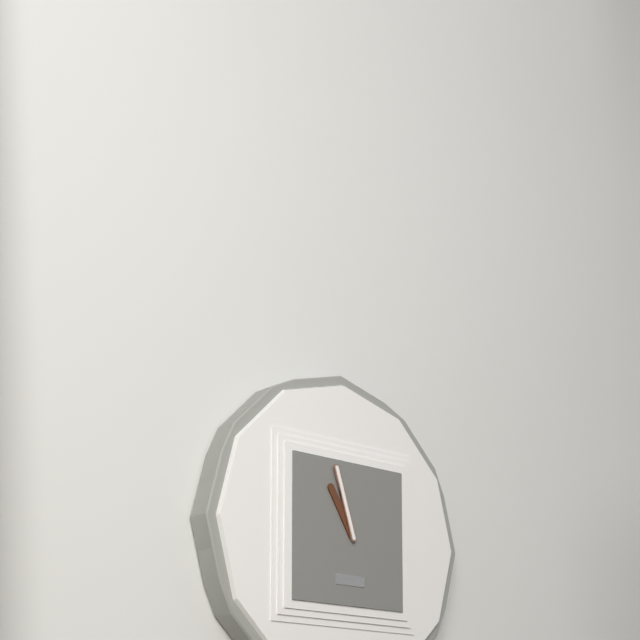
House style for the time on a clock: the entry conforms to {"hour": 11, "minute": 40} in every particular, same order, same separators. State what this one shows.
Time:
{"hour": 10, "minute": 57}
